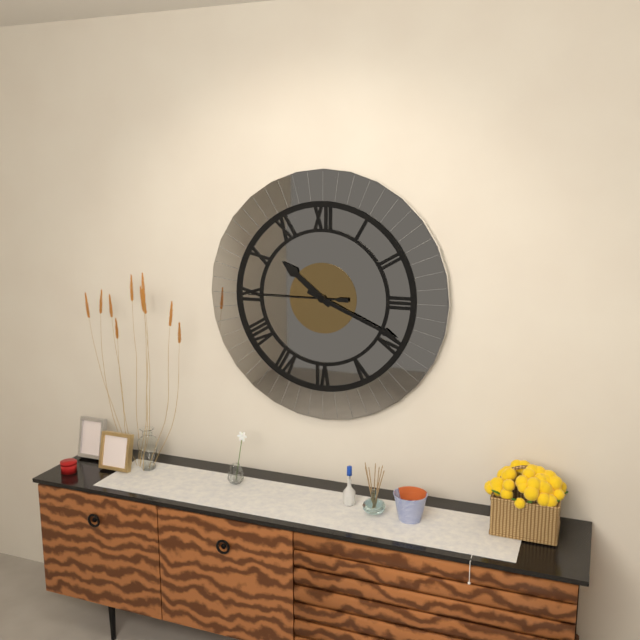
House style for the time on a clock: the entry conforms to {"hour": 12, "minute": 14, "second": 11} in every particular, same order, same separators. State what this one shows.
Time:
{"hour": 10, "minute": 19, "second": 45}
